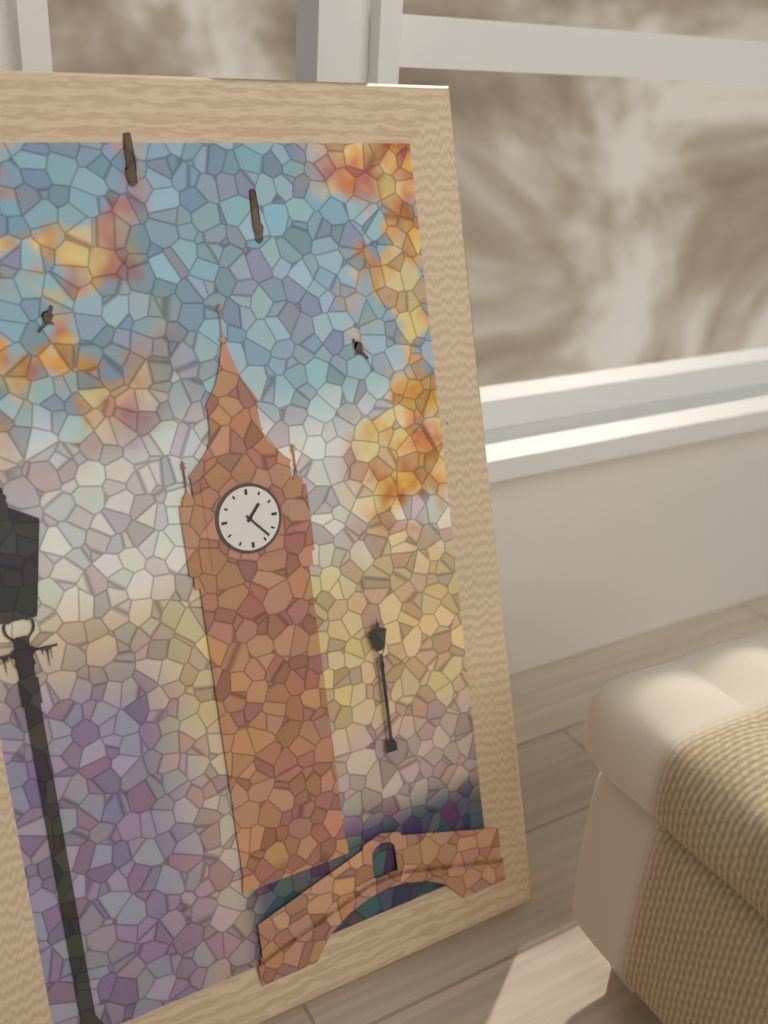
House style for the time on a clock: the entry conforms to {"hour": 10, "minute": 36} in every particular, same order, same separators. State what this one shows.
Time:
{"hour": 1, "minute": 23}
